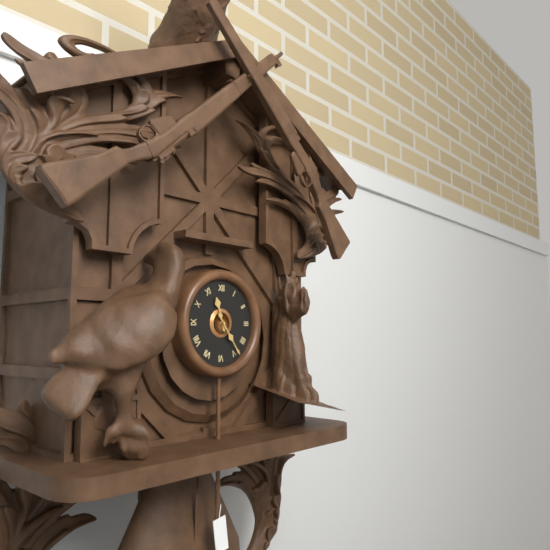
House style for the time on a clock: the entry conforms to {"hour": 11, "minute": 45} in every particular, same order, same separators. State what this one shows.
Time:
{"hour": 11, "minute": 24}
